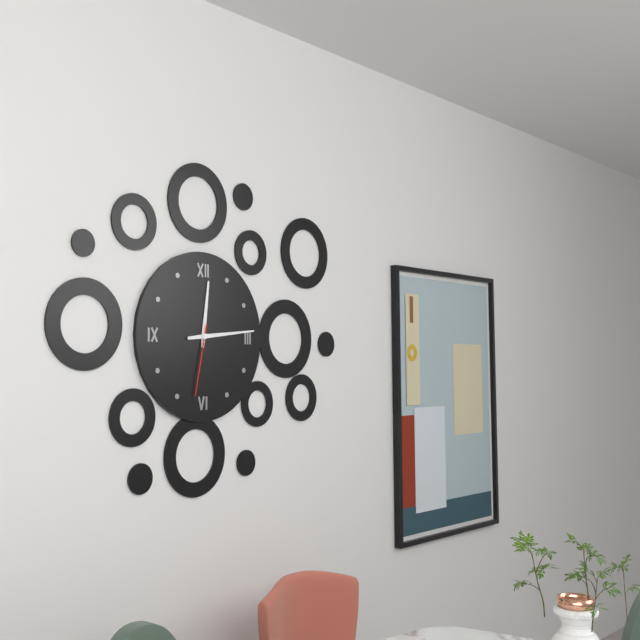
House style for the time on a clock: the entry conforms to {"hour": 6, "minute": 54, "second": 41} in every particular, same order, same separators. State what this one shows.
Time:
{"hour": 12, "minute": 14, "second": 32}
